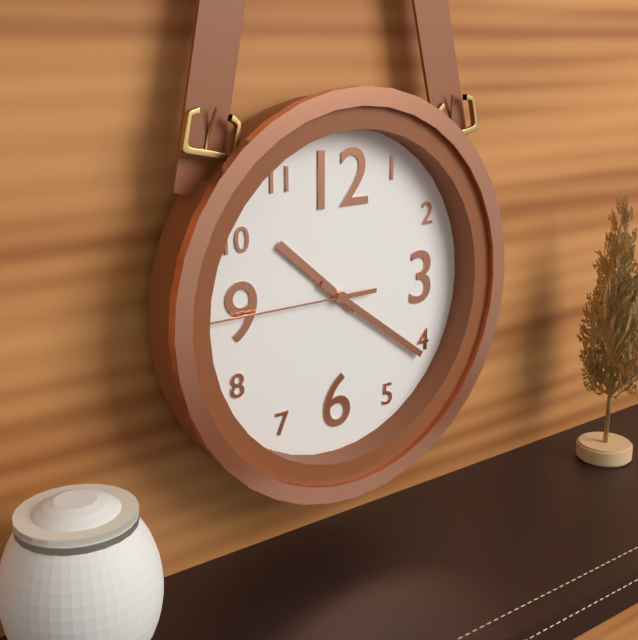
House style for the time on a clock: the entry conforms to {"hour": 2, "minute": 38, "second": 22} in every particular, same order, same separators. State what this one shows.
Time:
{"hour": 10, "minute": 21, "second": 45}
